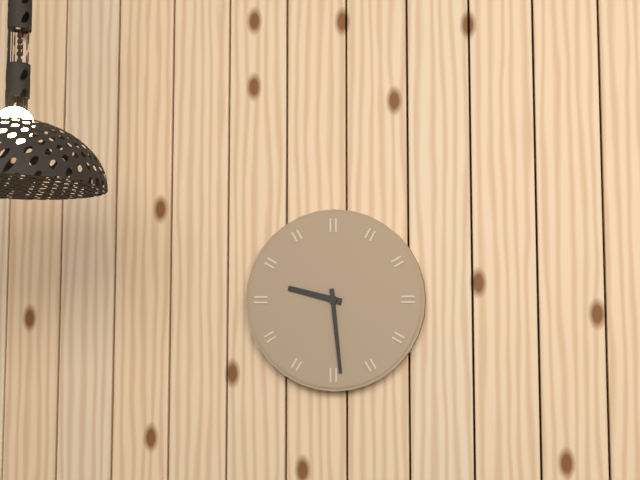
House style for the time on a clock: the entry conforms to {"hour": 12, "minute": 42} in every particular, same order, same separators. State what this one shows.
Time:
{"hour": 9, "minute": 29}
